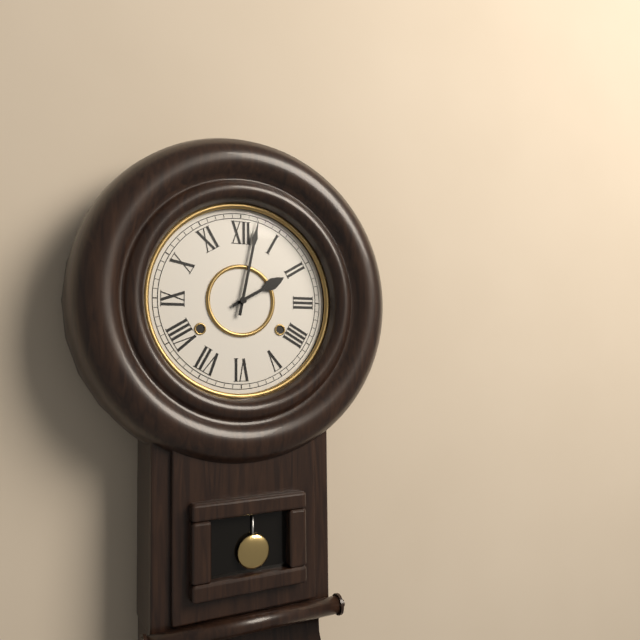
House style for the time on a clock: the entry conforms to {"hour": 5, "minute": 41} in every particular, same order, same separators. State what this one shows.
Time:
{"hour": 2, "minute": 2}
